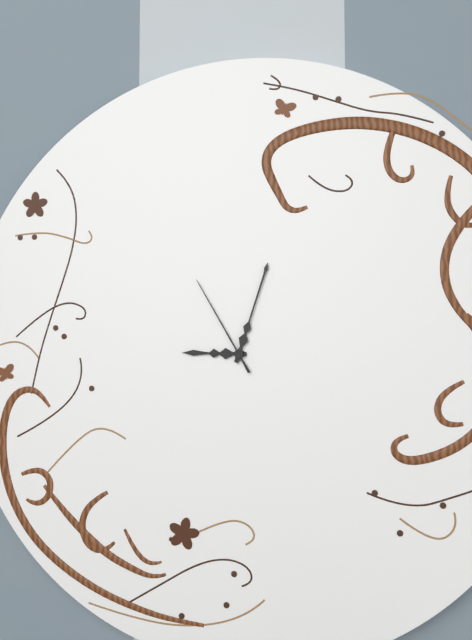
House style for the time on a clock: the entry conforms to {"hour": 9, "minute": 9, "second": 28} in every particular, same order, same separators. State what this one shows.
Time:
{"hour": 9, "minute": 3, "second": 55}
